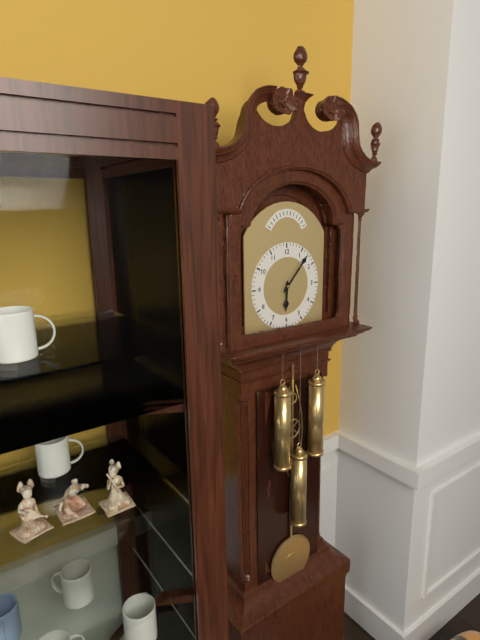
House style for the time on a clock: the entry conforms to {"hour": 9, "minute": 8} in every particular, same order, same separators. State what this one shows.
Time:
{"hour": 6, "minute": 7}
